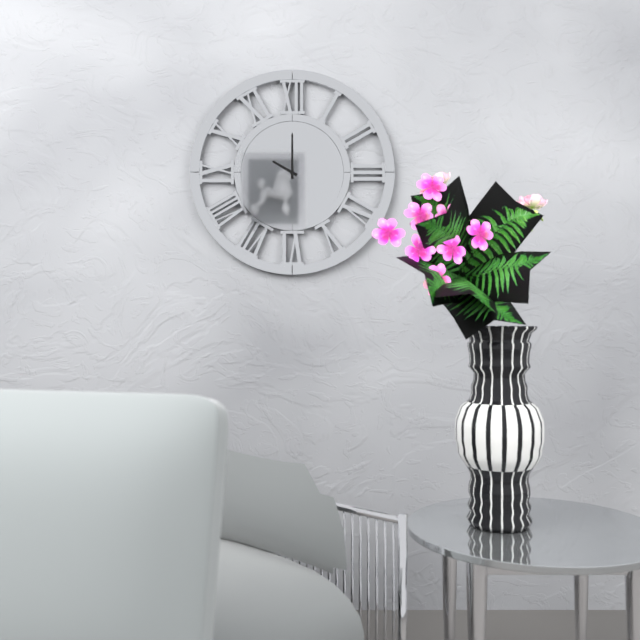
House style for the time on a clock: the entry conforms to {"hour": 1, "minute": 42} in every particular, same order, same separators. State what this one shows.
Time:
{"hour": 10, "minute": 0}
